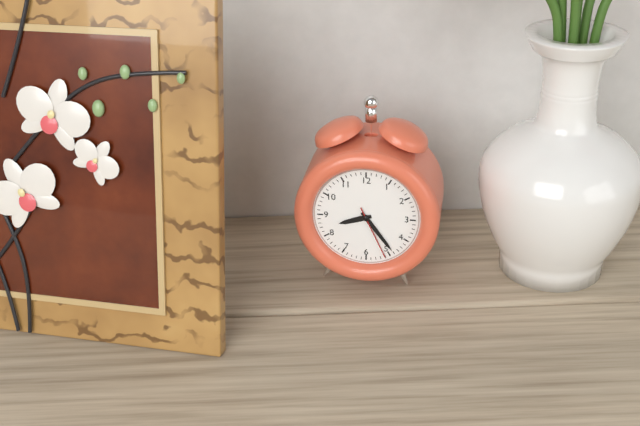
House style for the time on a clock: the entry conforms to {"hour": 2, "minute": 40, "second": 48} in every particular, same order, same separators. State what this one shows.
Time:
{"hour": 8, "minute": 24, "second": 26}
